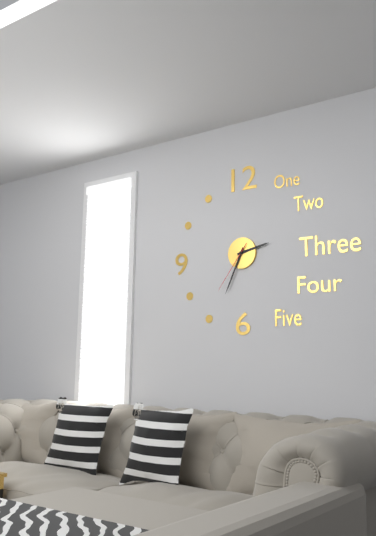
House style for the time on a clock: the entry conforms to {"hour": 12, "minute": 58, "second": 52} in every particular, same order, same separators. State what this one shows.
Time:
{"hour": 2, "minute": 34, "second": 36}
